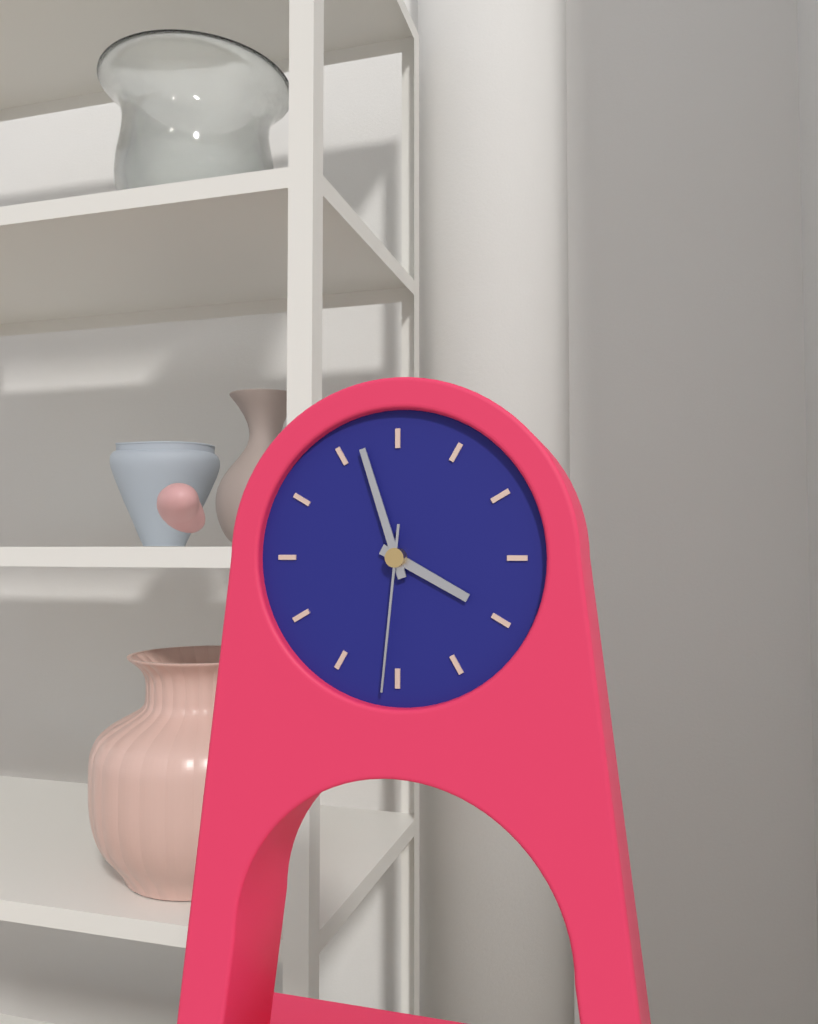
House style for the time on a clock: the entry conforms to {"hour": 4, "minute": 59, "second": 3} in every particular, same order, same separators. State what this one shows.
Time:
{"hour": 3, "minute": 57, "second": 31}
